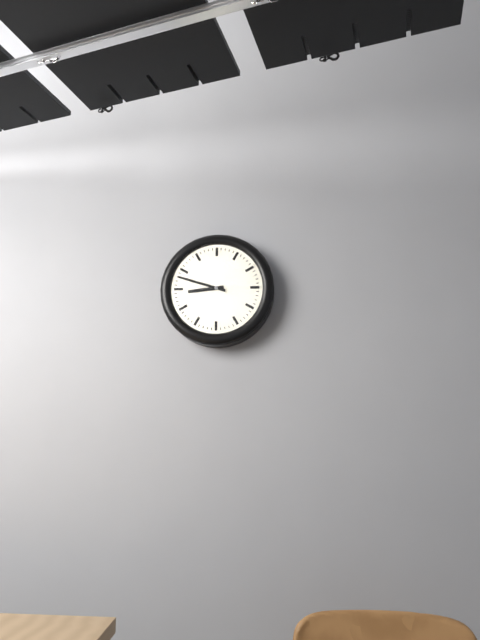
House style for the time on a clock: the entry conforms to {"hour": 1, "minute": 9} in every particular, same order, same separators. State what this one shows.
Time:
{"hour": 8, "minute": 48}
